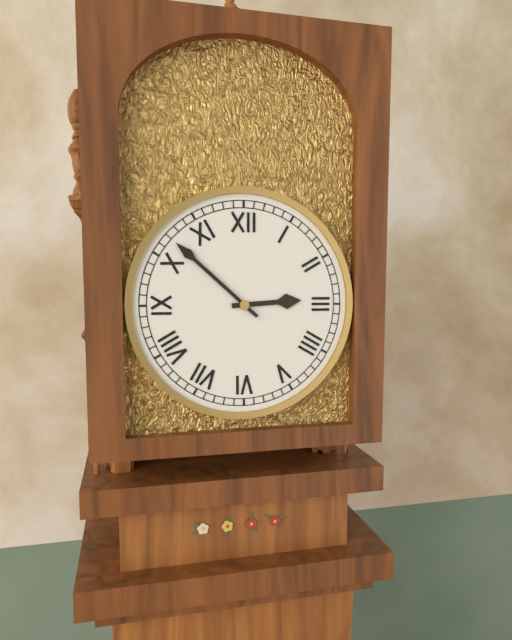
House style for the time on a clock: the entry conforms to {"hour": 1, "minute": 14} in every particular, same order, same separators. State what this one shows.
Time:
{"hour": 2, "minute": 52}
